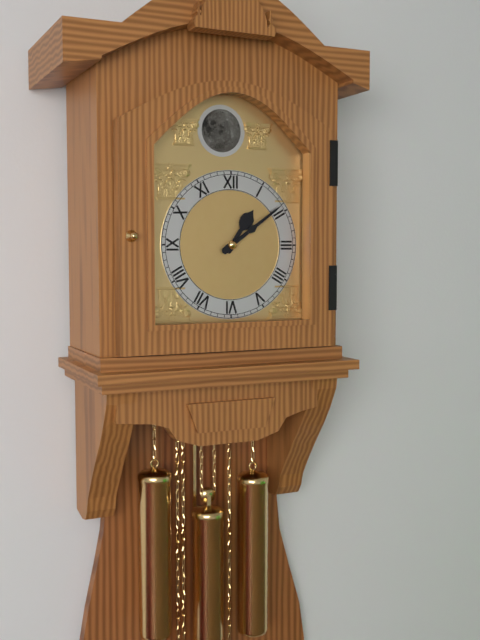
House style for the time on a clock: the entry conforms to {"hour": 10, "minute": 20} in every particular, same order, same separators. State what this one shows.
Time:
{"hour": 1, "minute": 9}
